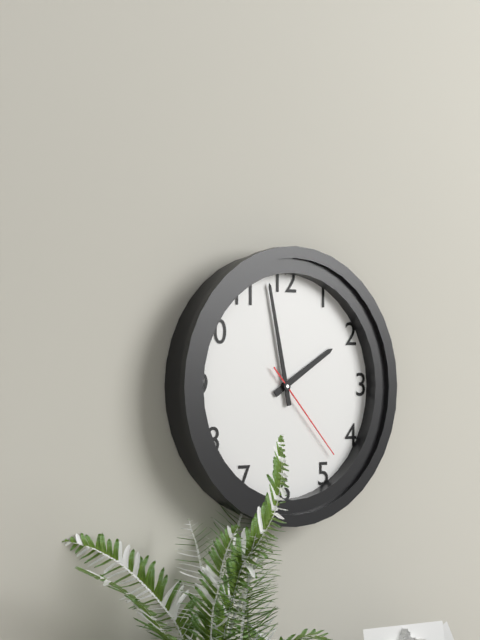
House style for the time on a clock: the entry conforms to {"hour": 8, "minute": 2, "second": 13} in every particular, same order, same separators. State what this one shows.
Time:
{"hour": 1, "minute": 58, "second": 23}
